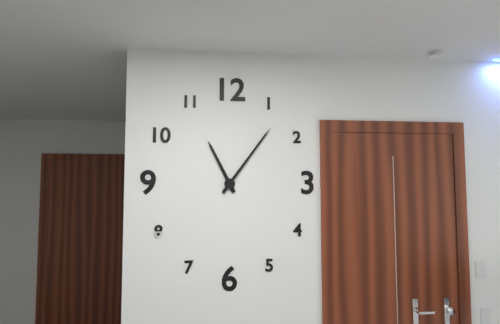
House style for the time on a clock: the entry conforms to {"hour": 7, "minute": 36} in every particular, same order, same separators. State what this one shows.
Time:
{"hour": 11, "minute": 6}
